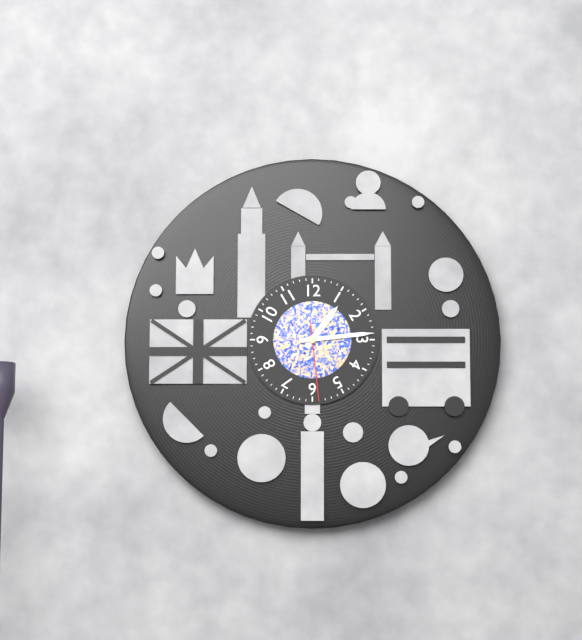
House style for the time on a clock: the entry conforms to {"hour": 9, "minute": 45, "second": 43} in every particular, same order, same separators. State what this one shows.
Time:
{"hour": 1, "minute": 14, "second": 29}
